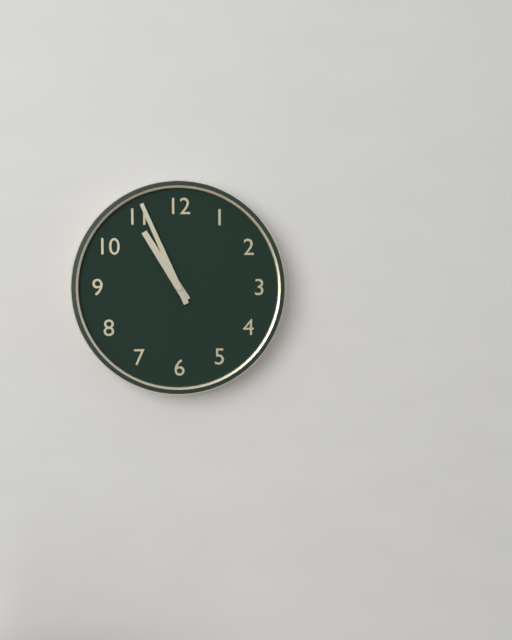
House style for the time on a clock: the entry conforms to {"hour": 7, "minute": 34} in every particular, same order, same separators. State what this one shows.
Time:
{"hour": 10, "minute": 56}
